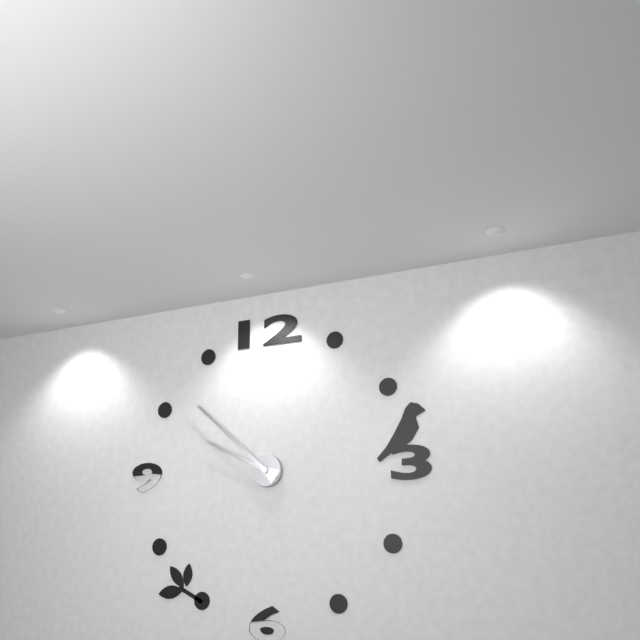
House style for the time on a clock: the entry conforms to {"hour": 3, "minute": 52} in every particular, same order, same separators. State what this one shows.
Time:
{"hour": 9, "minute": 52}
